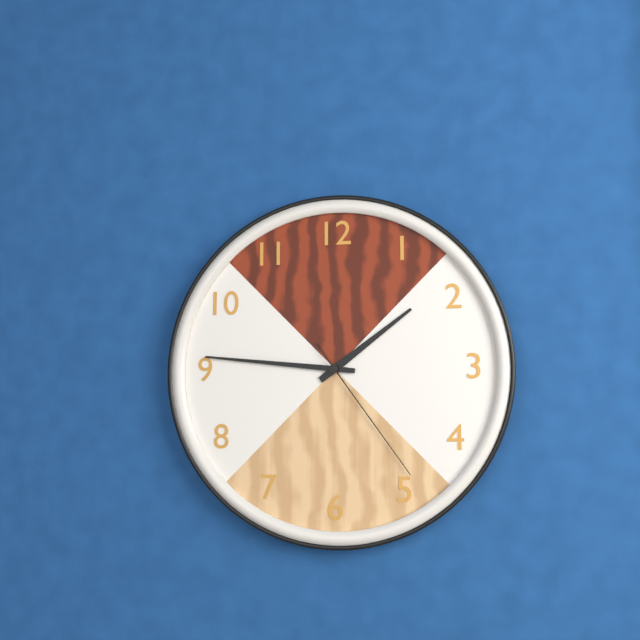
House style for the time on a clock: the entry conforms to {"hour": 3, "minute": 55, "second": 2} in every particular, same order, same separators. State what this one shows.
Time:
{"hour": 1, "minute": 46, "second": 24}
